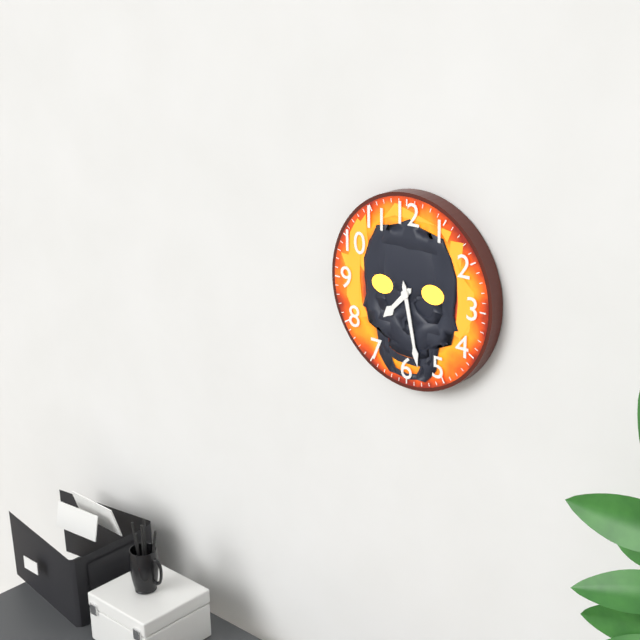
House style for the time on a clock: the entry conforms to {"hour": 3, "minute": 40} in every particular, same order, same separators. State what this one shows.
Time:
{"hour": 7, "minute": 28}
